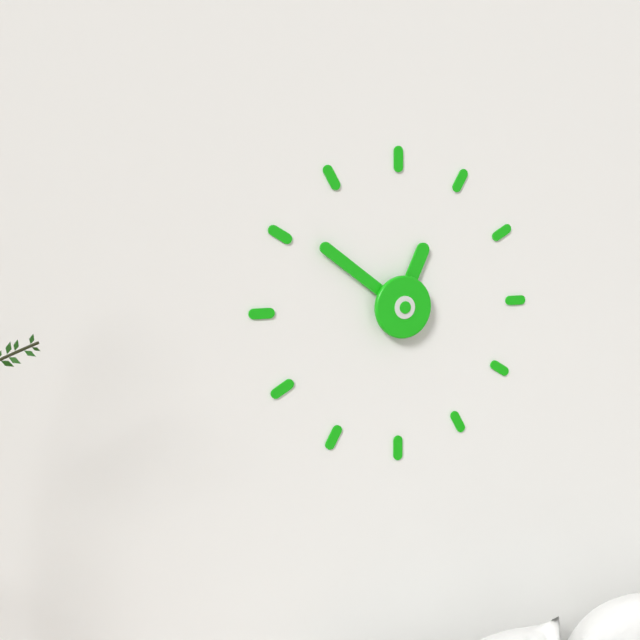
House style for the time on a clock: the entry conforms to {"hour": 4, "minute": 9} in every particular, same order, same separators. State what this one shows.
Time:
{"hour": 12, "minute": 51}
